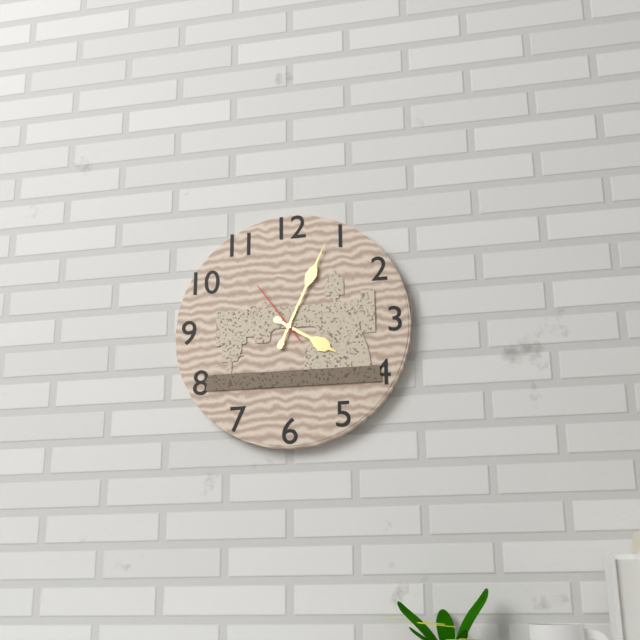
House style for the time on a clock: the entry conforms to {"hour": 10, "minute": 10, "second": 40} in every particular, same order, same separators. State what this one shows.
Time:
{"hour": 4, "minute": 4, "second": 54}
